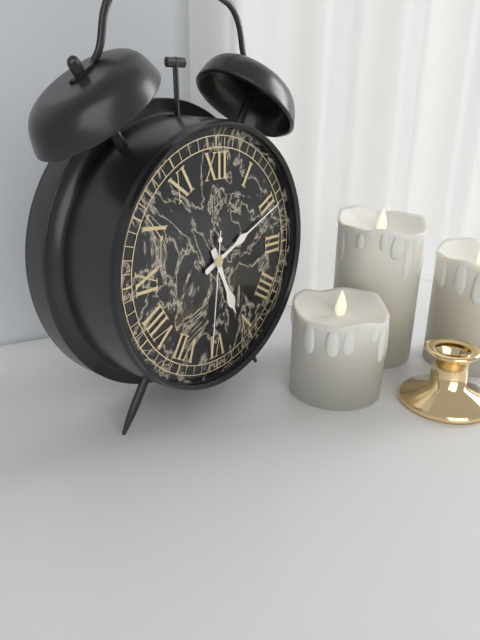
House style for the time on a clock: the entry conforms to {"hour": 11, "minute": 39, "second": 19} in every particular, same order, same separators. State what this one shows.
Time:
{"hour": 5, "minute": 11, "second": 31}
